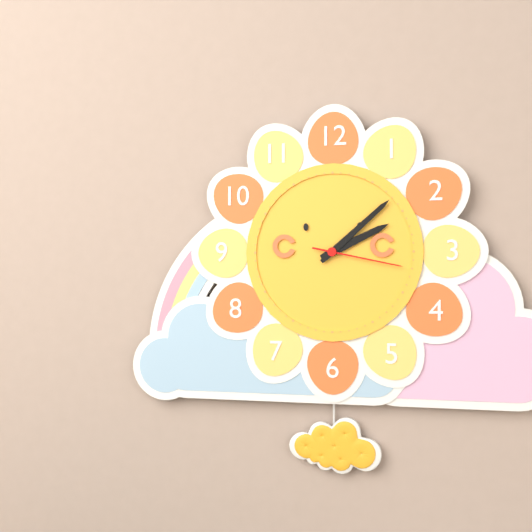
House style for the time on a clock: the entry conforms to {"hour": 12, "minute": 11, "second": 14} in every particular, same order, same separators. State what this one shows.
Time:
{"hour": 2, "minute": 8, "second": 17}
